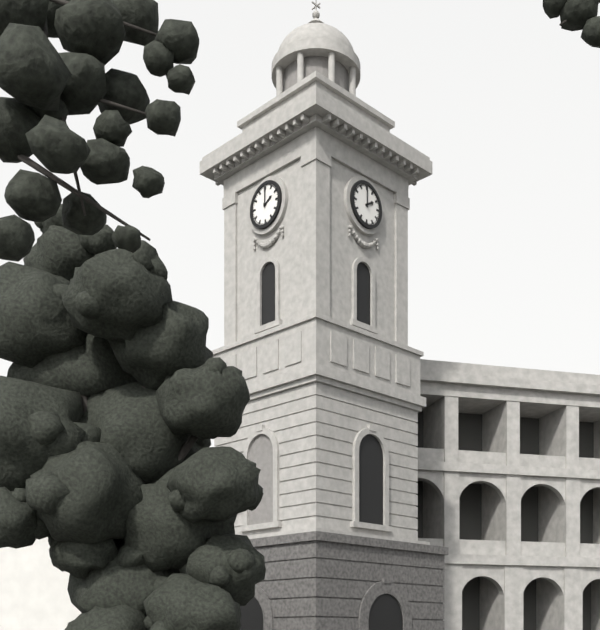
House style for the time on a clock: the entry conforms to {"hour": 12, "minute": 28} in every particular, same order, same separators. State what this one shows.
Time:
{"hour": 2, "minute": 0}
